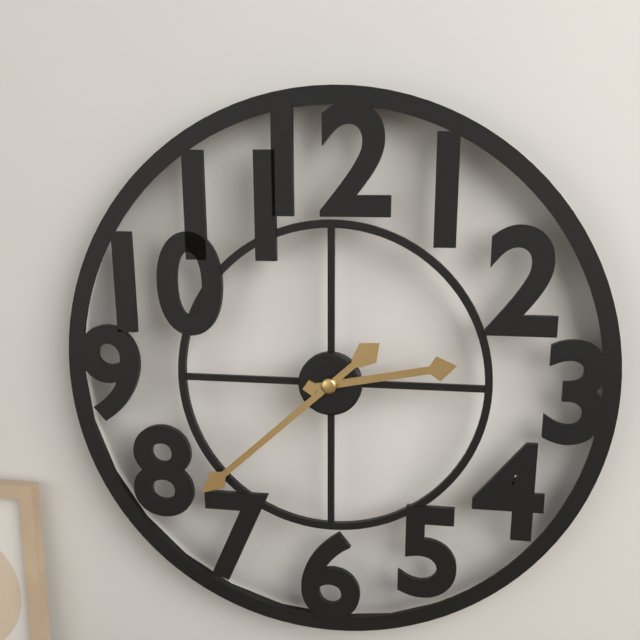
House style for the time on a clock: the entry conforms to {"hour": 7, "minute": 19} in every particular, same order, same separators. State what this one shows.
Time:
{"hour": 2, "minute": 38}
